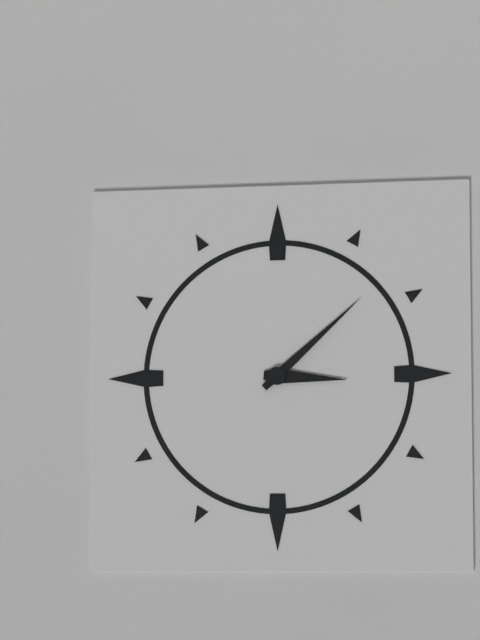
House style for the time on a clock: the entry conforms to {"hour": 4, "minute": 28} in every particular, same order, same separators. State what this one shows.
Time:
{"hour": 3, "minute": 8}
